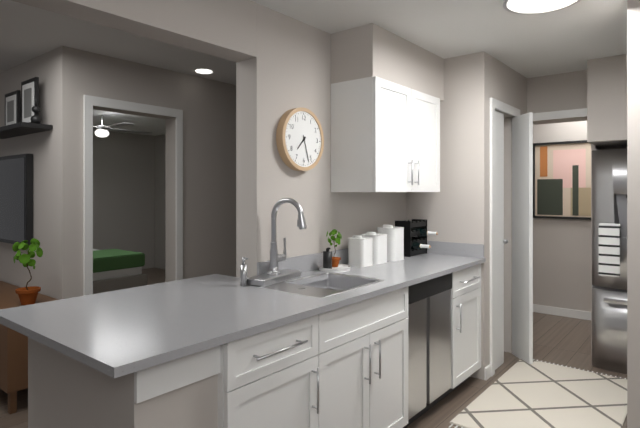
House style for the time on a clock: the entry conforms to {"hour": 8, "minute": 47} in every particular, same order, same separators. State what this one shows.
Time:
{"hour": 7, "minute": 27}
